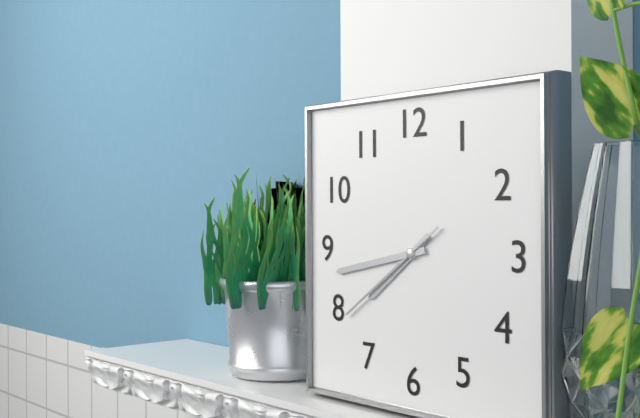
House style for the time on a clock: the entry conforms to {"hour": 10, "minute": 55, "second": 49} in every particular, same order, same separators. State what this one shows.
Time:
{"hour": 7, "minute": 43, "second": 39}
